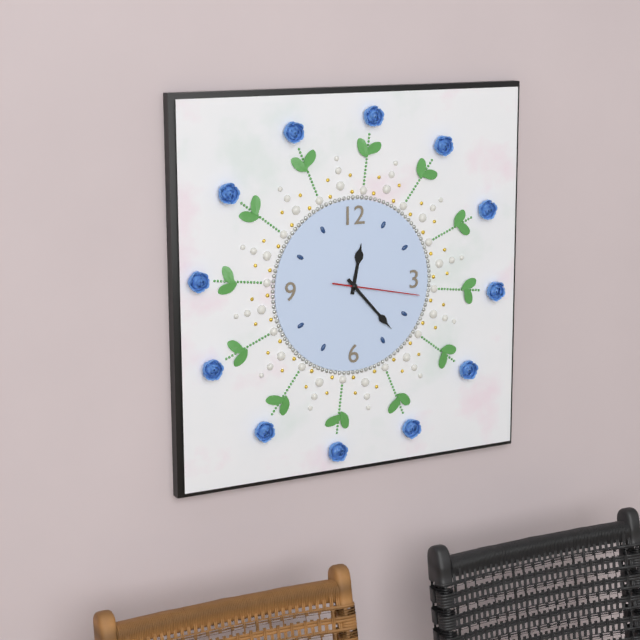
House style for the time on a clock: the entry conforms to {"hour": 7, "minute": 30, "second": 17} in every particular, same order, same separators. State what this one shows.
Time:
{"hour": 12, "minute": 23, "second": 17}
